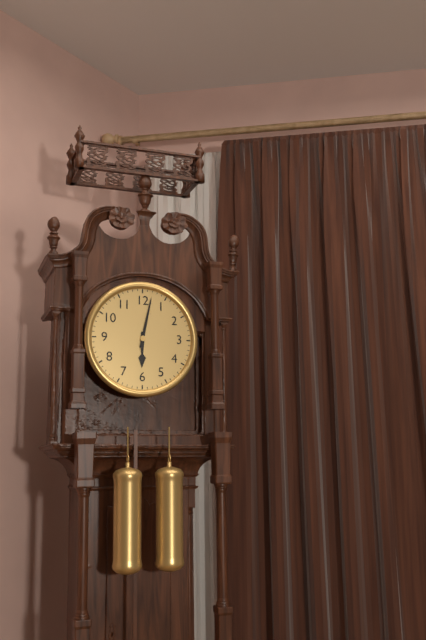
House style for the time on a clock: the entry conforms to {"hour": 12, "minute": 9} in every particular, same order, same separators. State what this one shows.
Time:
{"hour": 6, "minute": 2}
